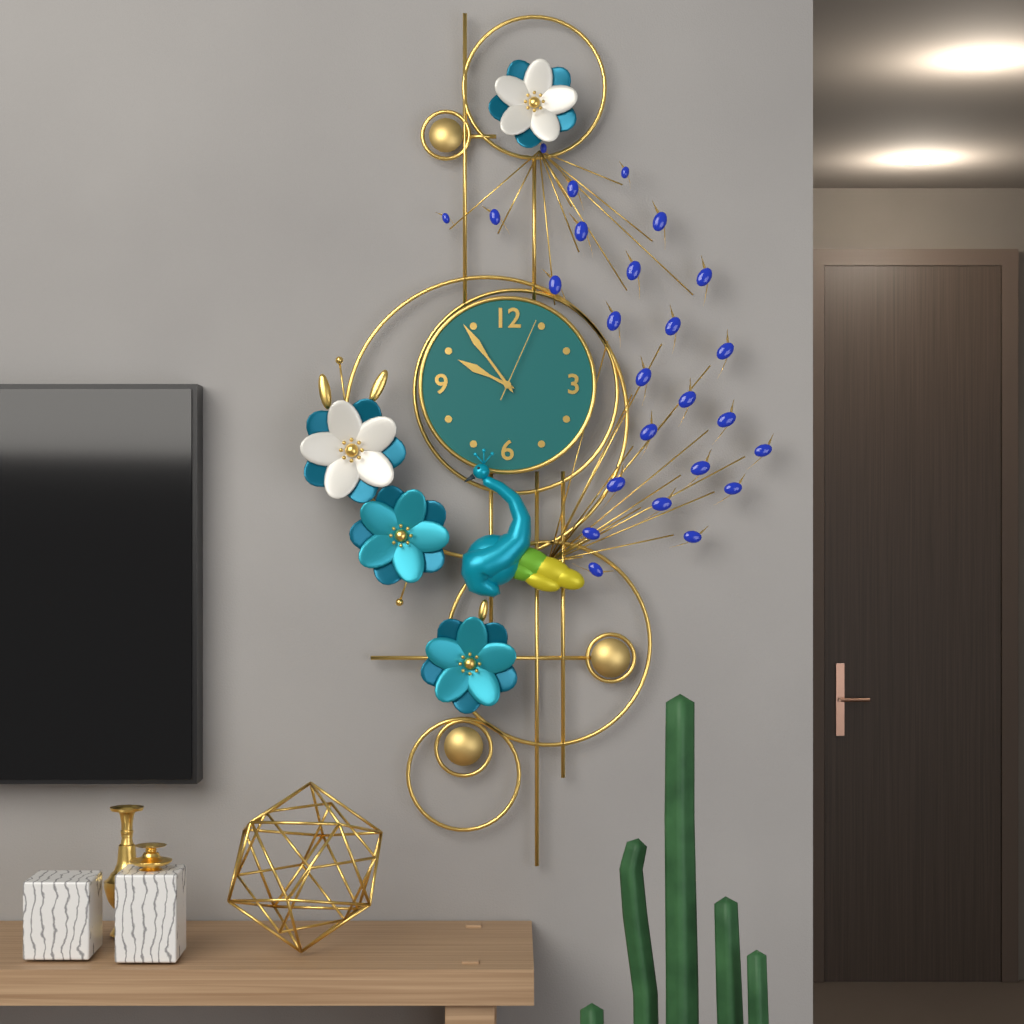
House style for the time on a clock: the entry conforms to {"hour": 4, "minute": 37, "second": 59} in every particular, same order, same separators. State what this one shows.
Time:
{"hour": 9, "minute": 54, "second": 4}
